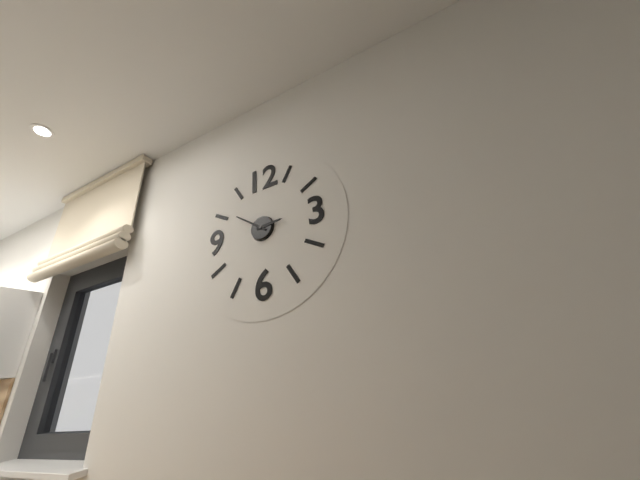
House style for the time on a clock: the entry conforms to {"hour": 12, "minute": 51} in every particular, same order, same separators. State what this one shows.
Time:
{"hour": 2, "minute": 51}
